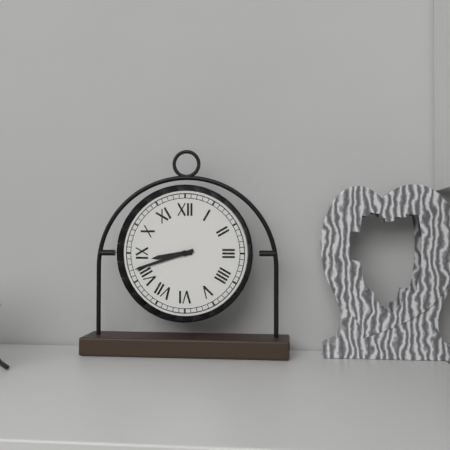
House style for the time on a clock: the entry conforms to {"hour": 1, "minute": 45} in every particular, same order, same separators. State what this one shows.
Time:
{"hour": 8, "minute": 42}
